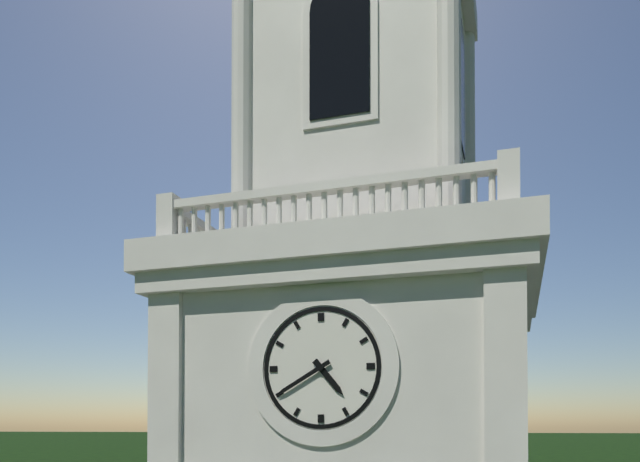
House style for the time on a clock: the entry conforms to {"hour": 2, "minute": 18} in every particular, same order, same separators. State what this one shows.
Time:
{"hour": 4, "minute": 40}
